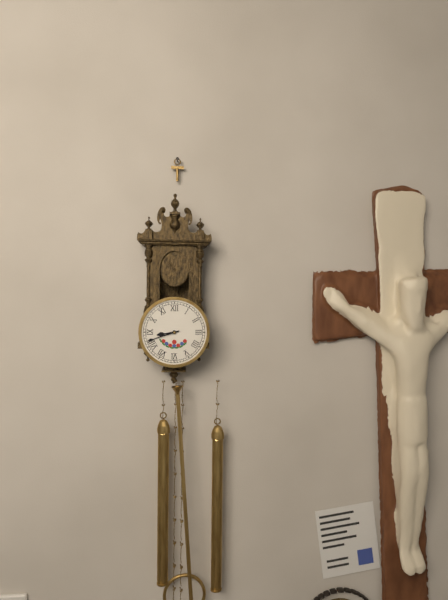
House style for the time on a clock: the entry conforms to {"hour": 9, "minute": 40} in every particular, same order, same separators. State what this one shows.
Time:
{"hour": 8, "minute": 42}
